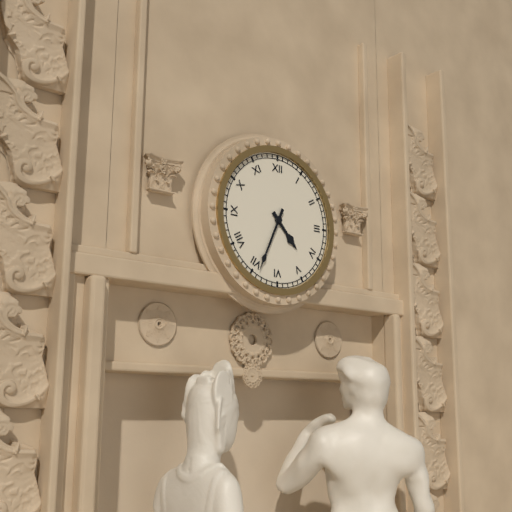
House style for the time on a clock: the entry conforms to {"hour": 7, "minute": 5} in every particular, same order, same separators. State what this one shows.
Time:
{"hour": 4, "minute": 34}
